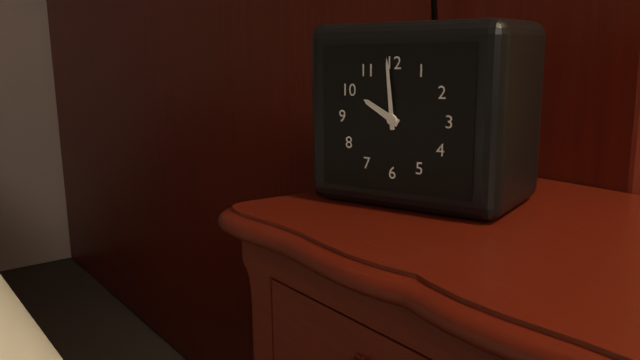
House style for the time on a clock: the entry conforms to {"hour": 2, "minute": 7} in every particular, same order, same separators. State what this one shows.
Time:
{"hour": 9, "minute": 59}
